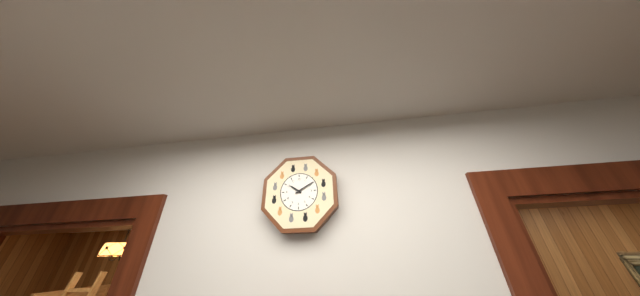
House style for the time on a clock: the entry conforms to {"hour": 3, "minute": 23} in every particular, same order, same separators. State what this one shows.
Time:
{"hour": 10, "minute": 10}
